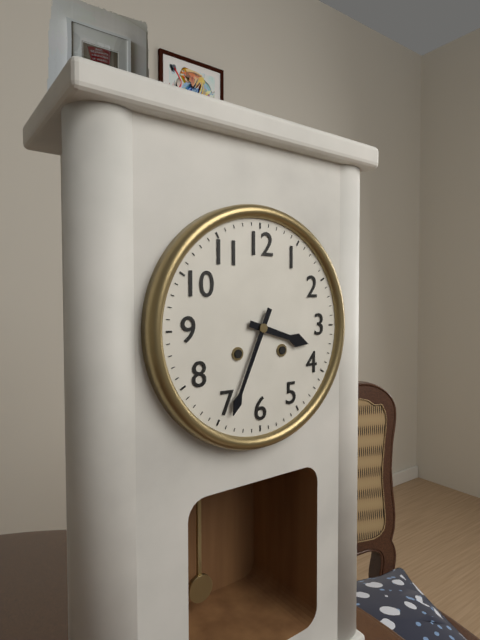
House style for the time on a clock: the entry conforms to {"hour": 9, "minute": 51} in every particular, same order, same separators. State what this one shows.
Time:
{"hour": 3, "minute": 34}
